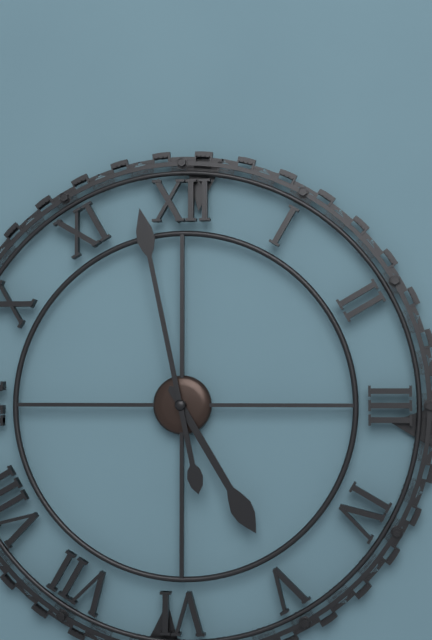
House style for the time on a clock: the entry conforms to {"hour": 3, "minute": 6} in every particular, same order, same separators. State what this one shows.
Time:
{"hour": 4, "minute": 58}
